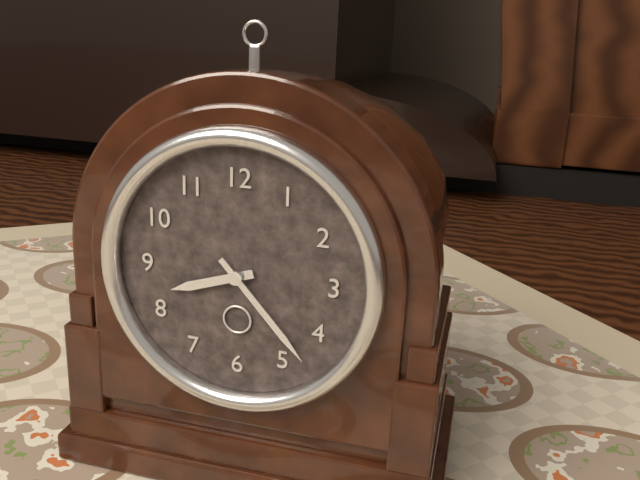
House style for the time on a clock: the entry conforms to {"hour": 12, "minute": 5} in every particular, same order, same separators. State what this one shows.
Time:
{"hour": 8, "minute": 23}
